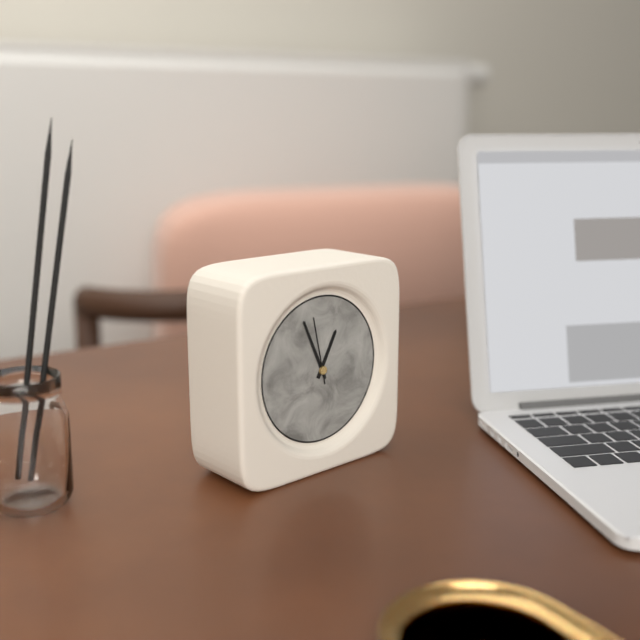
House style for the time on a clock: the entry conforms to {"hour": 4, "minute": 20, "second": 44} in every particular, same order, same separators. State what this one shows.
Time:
{"hour": 12, "minute": 56, "second": 58}
